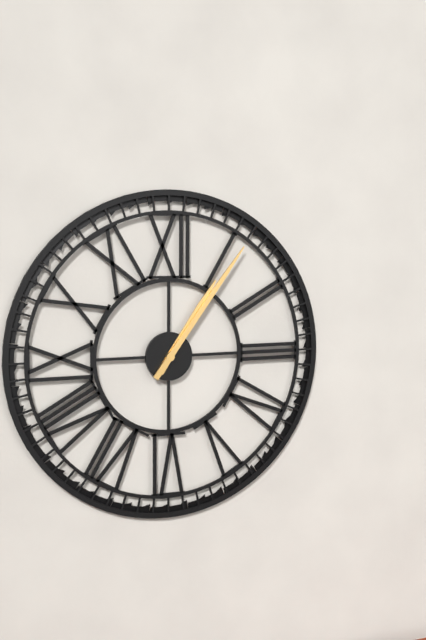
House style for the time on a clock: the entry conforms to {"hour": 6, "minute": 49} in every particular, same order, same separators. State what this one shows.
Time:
{"hour": 1, "minute": 6}
